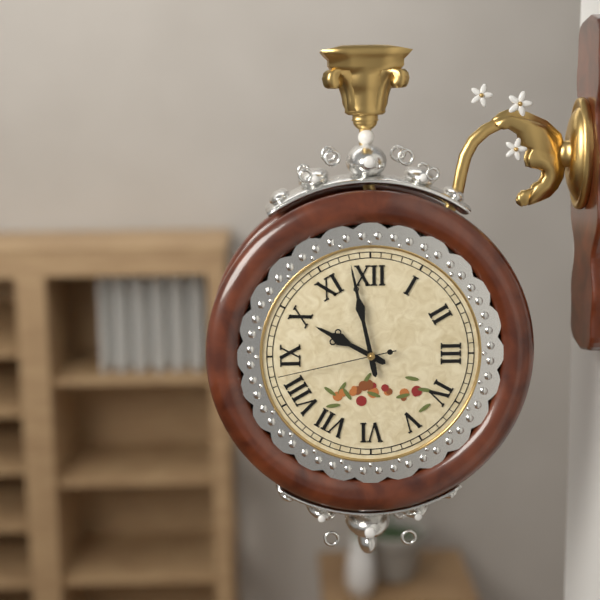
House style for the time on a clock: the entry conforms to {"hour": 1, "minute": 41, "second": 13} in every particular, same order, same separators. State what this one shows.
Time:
{"hour": 9, "minute": 58, "second": 43}
